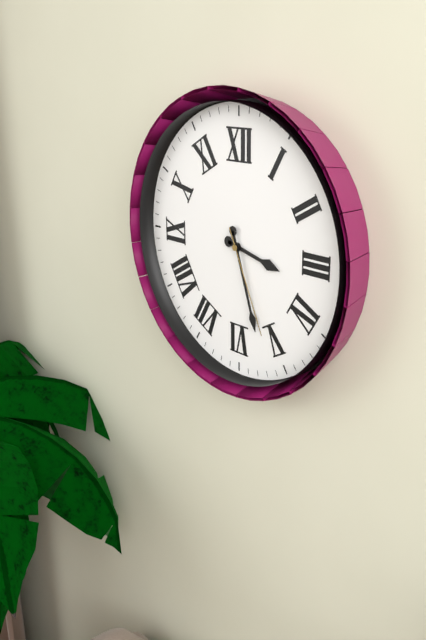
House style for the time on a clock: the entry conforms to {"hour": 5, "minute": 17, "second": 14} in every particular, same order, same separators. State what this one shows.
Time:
{"hour": 3, "minute": 27, "second": 26}
